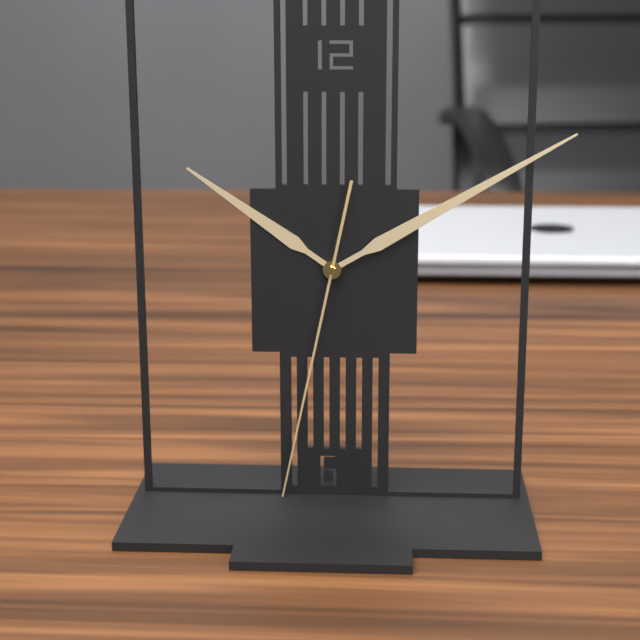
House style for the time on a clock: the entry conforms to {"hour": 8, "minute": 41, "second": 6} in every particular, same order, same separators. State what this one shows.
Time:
{"hour": 10, "minute": 10, "second": 32}
